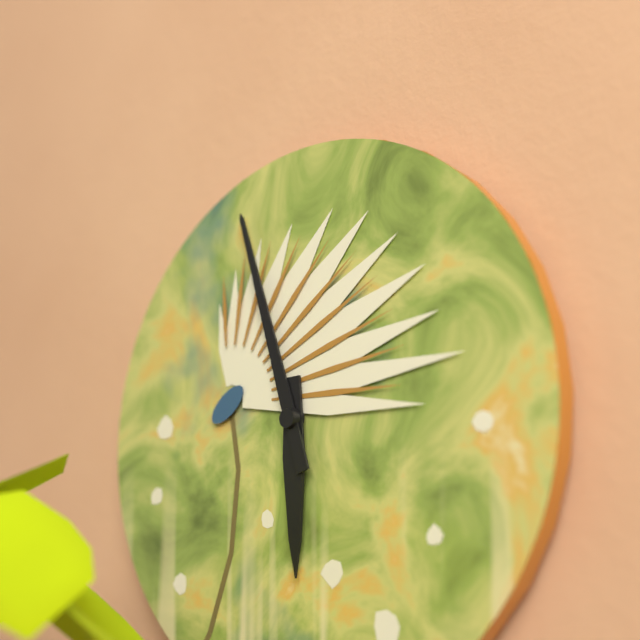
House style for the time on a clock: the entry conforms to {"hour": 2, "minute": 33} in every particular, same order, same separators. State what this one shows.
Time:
{"hour": 5, "minute": 57}
